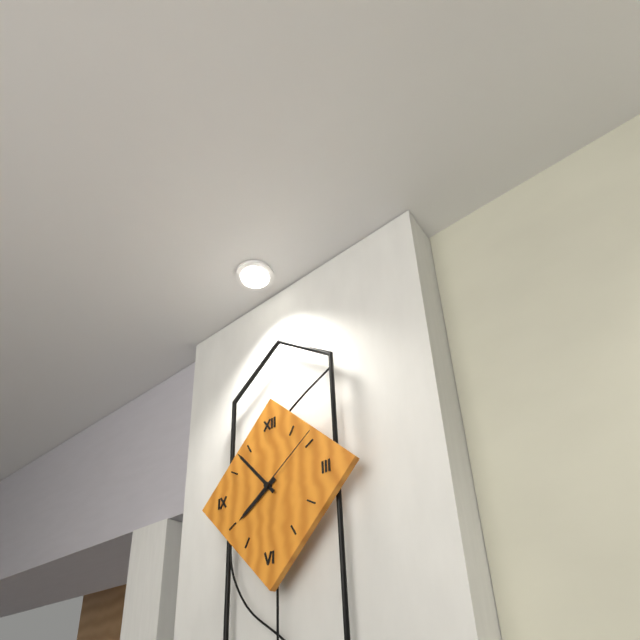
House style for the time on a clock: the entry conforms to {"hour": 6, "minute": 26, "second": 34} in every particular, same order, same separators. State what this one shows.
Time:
{"hour": 7, "minute": 53, "second": 9}
